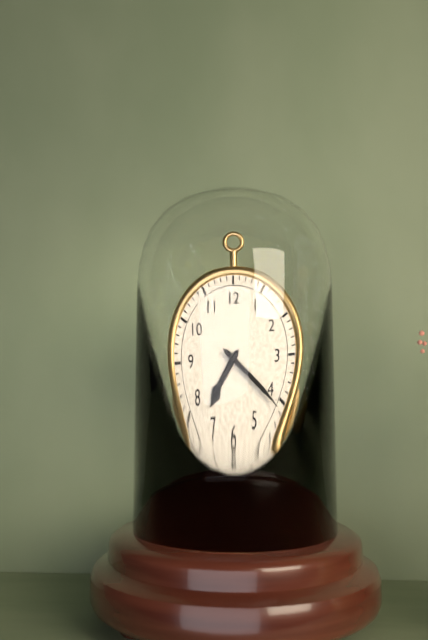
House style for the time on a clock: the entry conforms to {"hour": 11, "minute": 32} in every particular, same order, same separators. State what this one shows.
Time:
{"hour": 7, "minute": 21}
